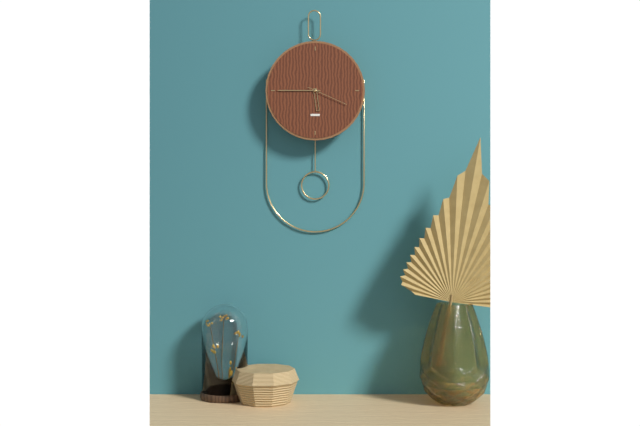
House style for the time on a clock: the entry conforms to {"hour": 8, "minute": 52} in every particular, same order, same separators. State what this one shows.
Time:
{"hour": 5, "minute": 45}
